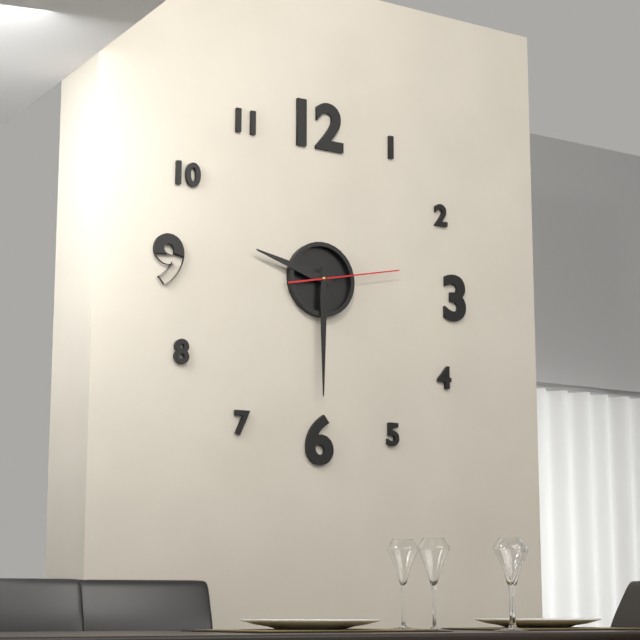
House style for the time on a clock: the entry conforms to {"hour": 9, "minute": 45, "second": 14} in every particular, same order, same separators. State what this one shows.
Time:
{"hour": 9, "minute": 30, "second": 13}
